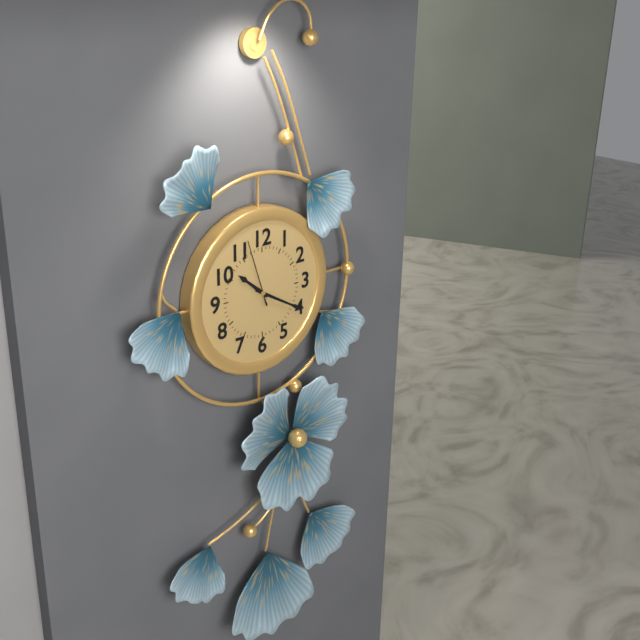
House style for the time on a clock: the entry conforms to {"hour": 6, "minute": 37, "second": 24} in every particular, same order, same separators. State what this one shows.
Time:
{"hour": 10, "minute": 20, "second": 57}
